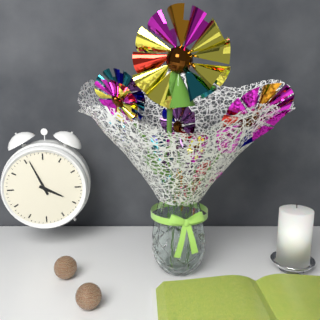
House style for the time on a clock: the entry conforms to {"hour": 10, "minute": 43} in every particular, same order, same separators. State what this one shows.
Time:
{"hour": 3, "minute": 56}
